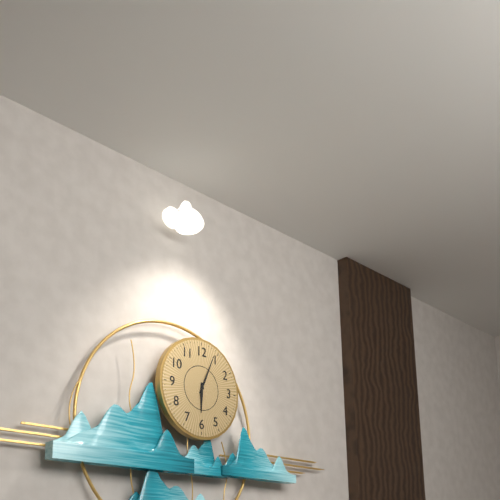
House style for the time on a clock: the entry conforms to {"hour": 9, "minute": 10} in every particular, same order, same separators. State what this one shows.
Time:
{"hour": 6, "minute": 4}
